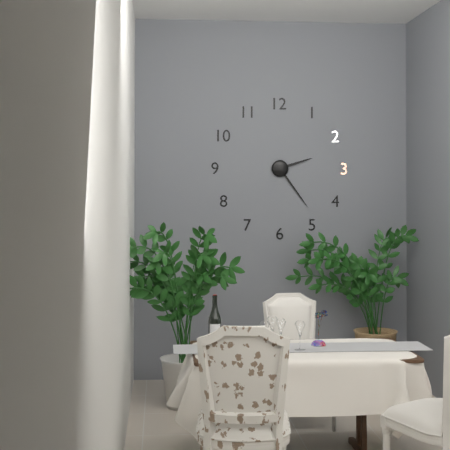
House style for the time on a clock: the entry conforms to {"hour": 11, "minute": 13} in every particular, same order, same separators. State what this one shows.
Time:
{"hour": 2, "minute": 24}
